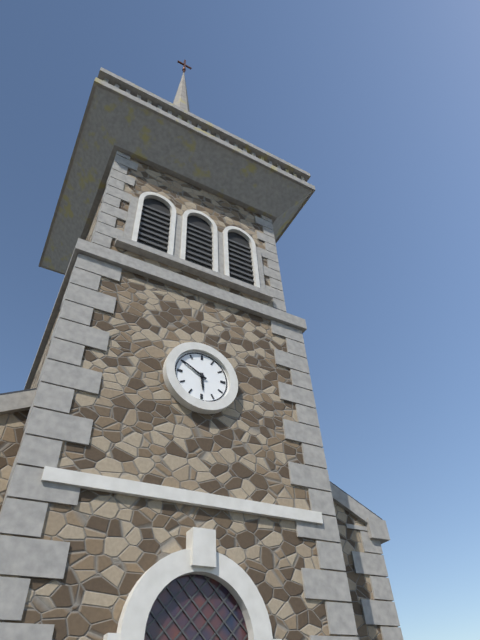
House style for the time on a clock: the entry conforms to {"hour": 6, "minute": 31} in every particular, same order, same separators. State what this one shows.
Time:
{"hour": 5, "minute": 50}
